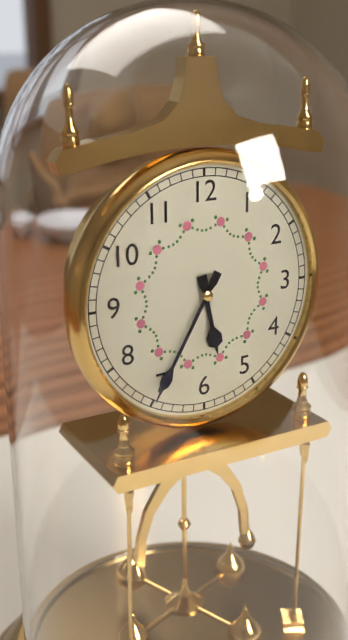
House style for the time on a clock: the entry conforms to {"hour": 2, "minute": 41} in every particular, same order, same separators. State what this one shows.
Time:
{"hour": 5, "minute": 35}
